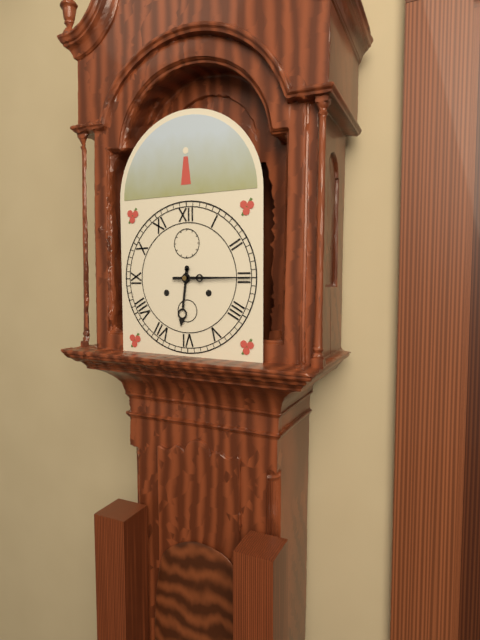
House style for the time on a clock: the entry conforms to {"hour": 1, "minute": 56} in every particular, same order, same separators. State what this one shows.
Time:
{"hour": 6, "minute": 15}
